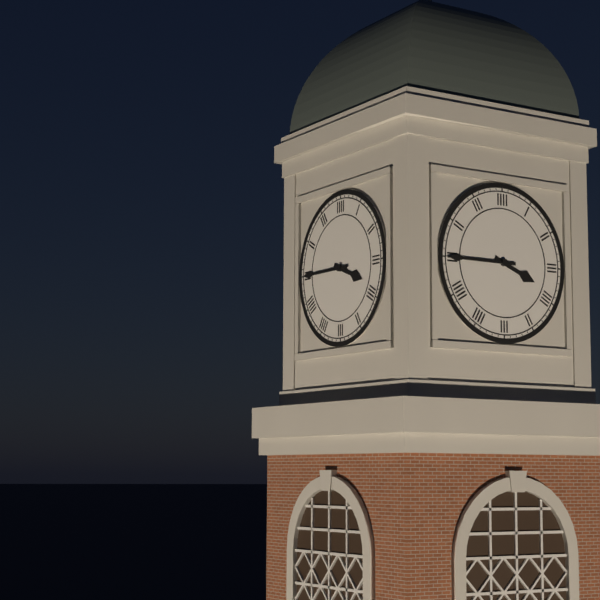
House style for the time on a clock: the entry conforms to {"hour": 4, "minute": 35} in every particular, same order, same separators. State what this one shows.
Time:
{"hour": 3, "minute": 45}
